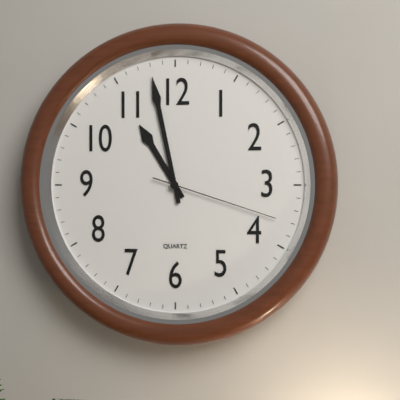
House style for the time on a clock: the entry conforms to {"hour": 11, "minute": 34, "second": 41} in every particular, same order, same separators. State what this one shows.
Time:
{"hour": 10, "minute": 58, "second": 18}
